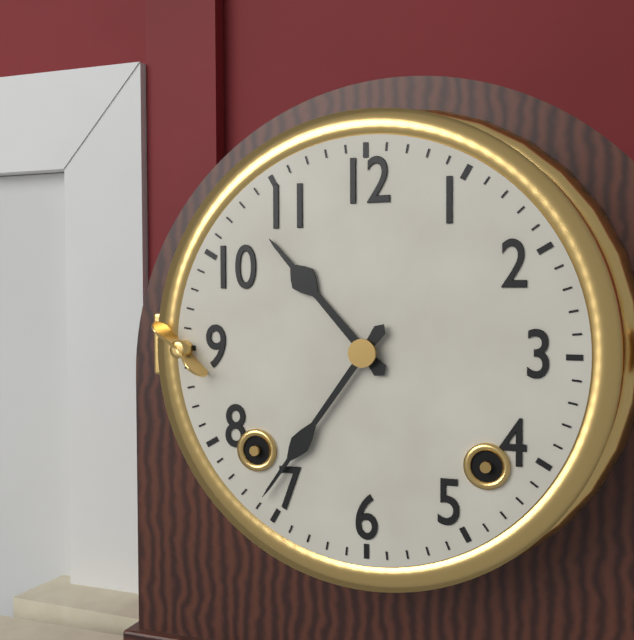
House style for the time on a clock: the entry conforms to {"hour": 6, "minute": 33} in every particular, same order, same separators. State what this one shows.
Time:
{"hour": 10, "minute": 36}
